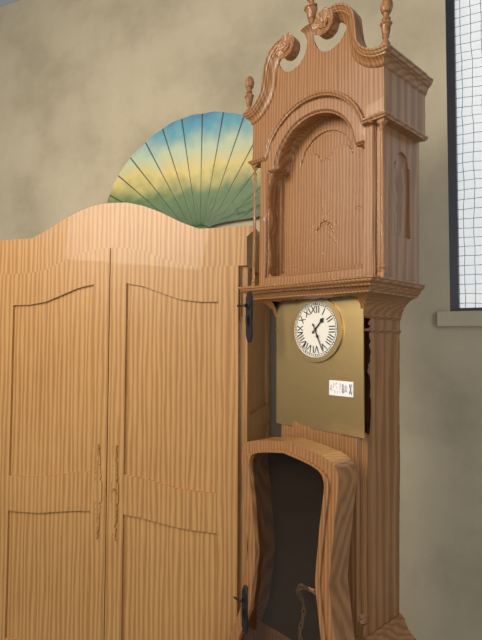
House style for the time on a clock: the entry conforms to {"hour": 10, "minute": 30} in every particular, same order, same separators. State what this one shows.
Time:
{"hour": 1, "minute": 26}
